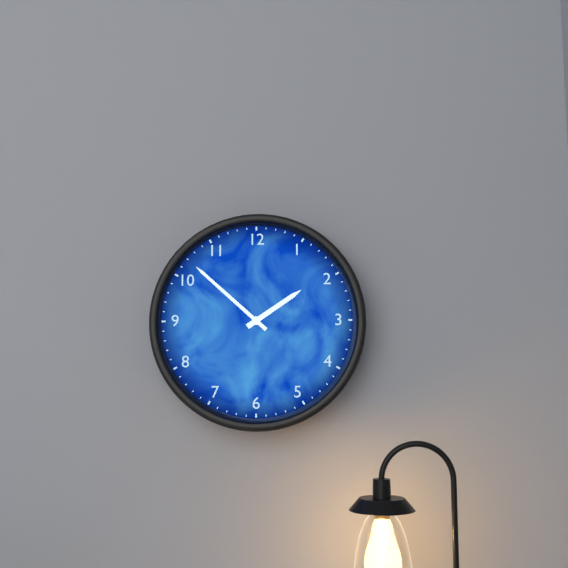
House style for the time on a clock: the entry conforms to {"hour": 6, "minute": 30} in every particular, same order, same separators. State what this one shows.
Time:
{"hour": 1, "minute": 52}
